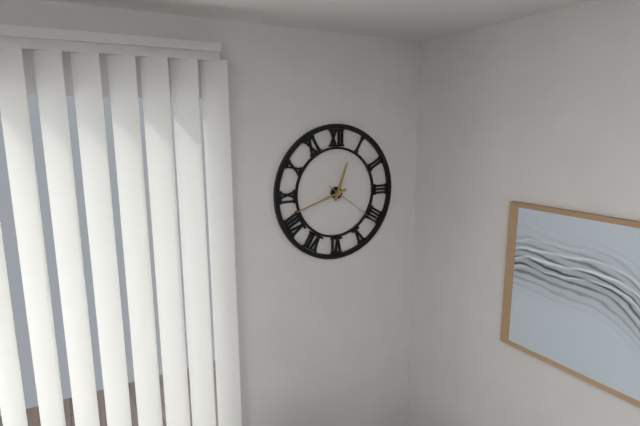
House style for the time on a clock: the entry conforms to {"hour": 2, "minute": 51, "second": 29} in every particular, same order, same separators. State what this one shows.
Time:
{"hour": 12, "minute": 42, "second": 21}
